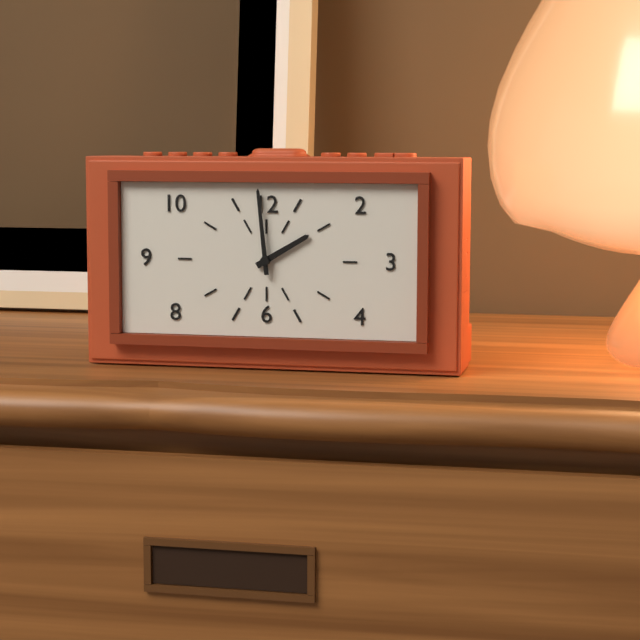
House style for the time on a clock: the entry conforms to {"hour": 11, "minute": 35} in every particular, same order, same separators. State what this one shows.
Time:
{"hour": 1, "minute": 59}
